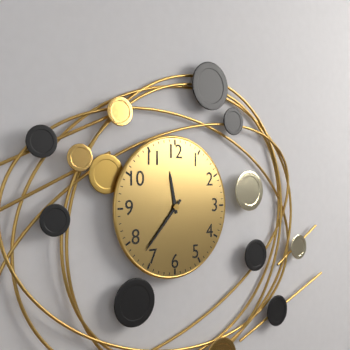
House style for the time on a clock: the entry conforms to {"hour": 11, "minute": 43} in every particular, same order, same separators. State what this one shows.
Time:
{"hour": 11, "minute": 37}
